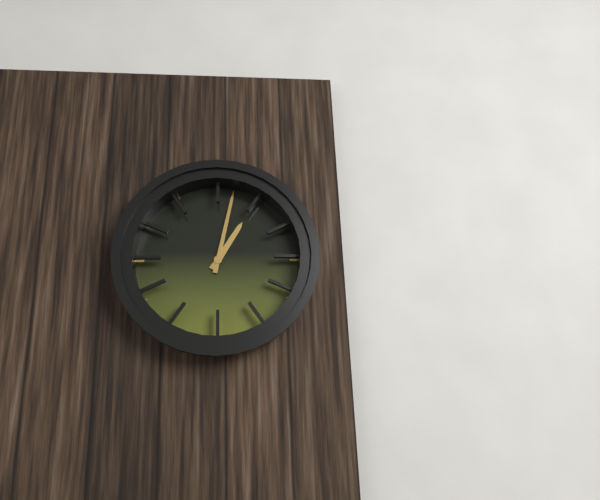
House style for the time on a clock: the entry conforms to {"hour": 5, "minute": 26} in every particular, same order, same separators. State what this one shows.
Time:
{"hour": 1, "minute": 2}
